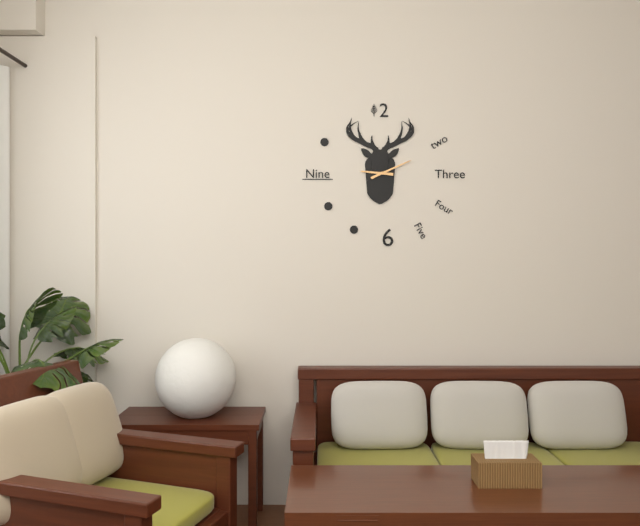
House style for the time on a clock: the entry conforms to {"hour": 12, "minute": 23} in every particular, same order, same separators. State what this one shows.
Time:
{"hour": 9, "minute": 11}
